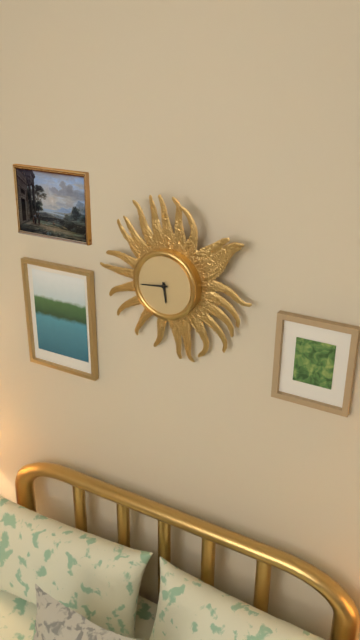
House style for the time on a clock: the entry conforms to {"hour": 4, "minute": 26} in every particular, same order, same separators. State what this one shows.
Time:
{"hour": 5, "minute": 44}
